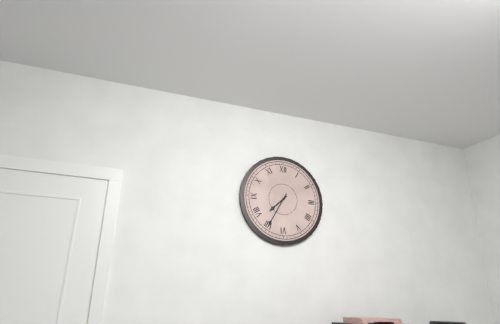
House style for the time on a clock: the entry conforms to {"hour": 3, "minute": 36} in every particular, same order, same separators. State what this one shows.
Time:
{"hour": 7, "minute": 35}
